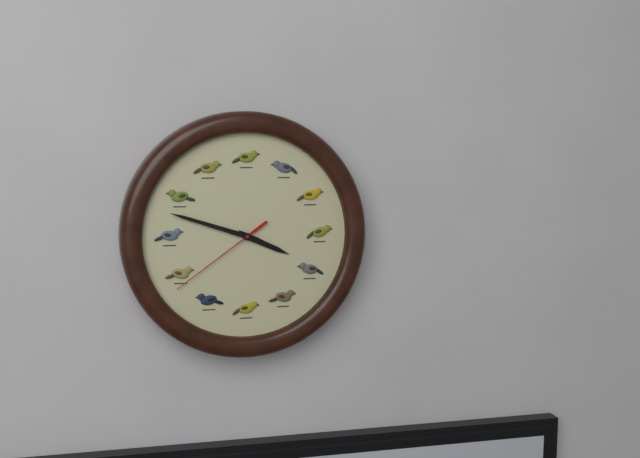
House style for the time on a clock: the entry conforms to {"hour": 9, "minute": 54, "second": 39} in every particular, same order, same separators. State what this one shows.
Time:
{"hour": 3, "minute": 48, "second": 39}
